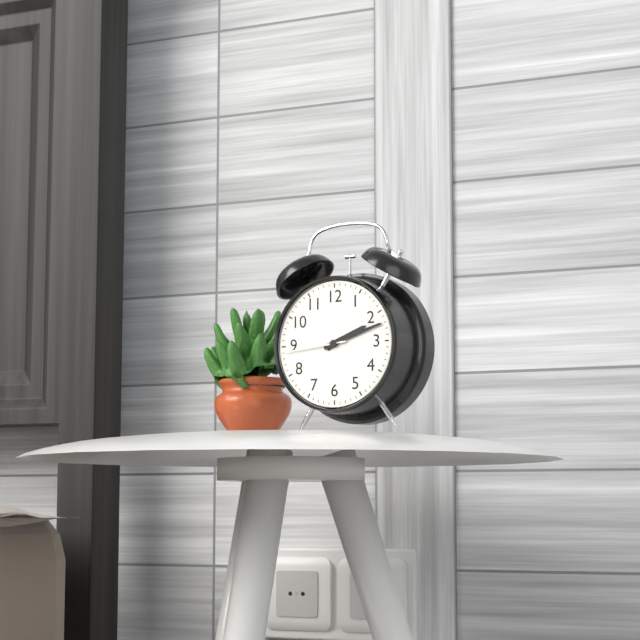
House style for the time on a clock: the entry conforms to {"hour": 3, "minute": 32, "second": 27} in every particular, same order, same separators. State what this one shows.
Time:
{"hour": 2, "minute": 12, "second": 44}
